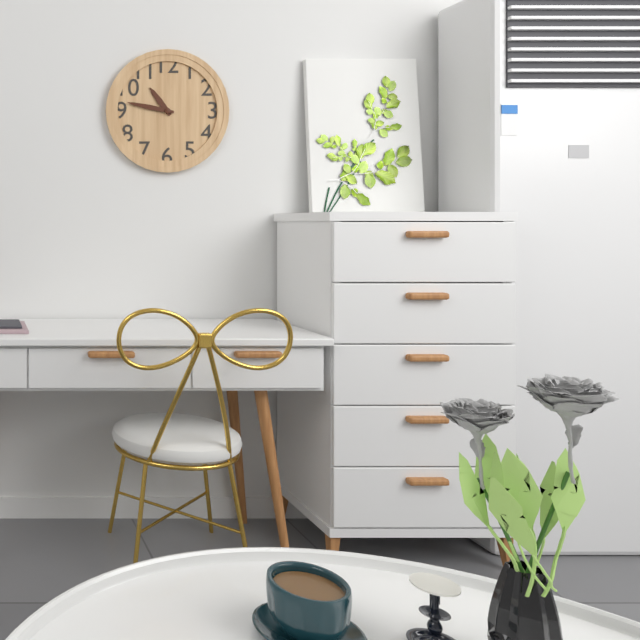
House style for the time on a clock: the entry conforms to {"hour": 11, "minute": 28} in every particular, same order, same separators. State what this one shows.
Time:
{"hour": 10, "minute": 47}
